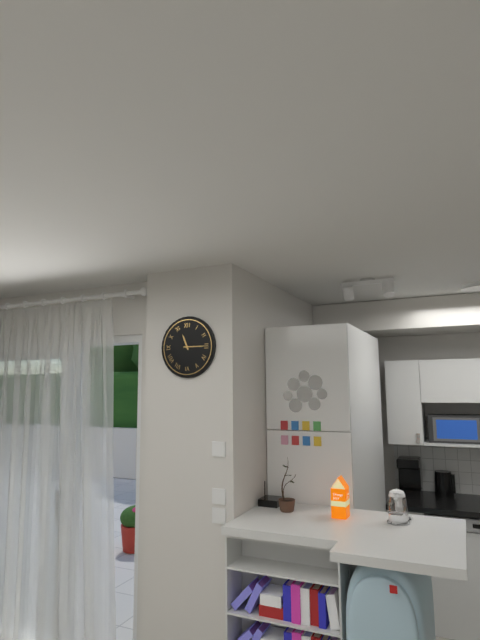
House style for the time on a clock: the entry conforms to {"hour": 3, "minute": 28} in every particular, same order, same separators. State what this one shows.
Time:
{"hour": 11, "minute": 15}
